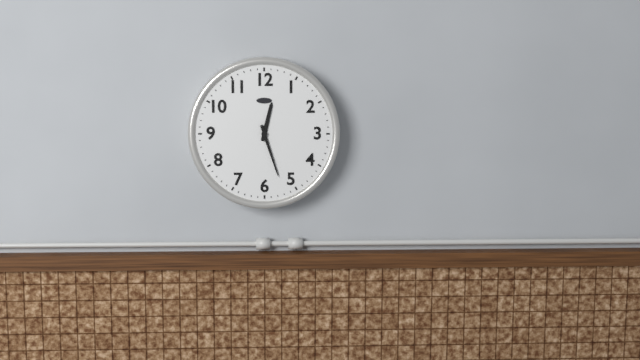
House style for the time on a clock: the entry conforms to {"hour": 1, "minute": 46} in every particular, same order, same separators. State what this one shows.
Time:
{"hour": 12, "minute": 27}
